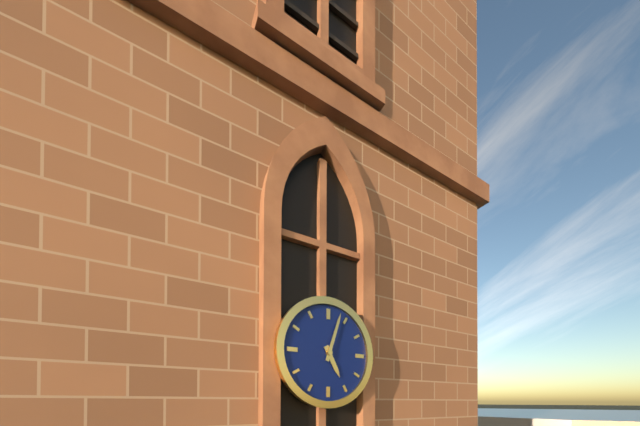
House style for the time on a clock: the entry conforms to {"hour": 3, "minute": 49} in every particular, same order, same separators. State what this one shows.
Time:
{"hour": 5, "minute": 3}
